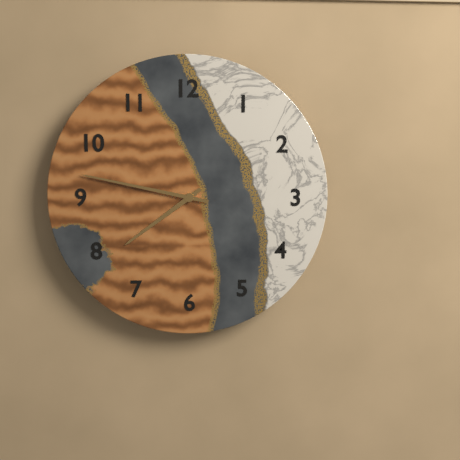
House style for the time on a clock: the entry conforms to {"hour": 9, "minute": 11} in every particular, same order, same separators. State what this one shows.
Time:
{"hour": 7, "minute": 47}
